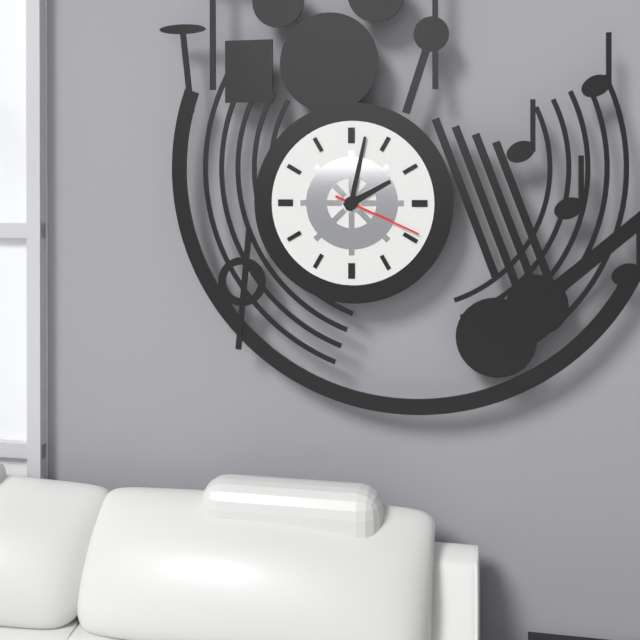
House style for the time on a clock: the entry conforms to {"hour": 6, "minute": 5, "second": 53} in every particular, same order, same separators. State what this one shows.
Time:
{"hour": 2, "minute": 2, "second": 19}
